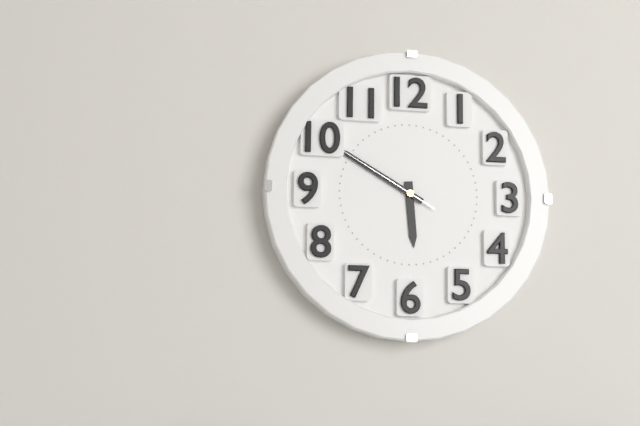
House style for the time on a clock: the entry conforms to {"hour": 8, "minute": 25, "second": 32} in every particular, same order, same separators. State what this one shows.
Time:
{"hour": 5, "minute": 50, "second": 50}
